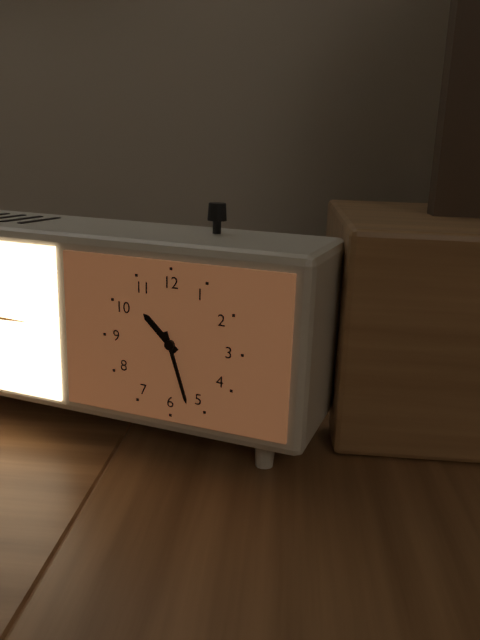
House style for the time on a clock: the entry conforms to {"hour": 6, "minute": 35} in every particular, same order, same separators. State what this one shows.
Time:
{"hour": 10, "minute": 27}
